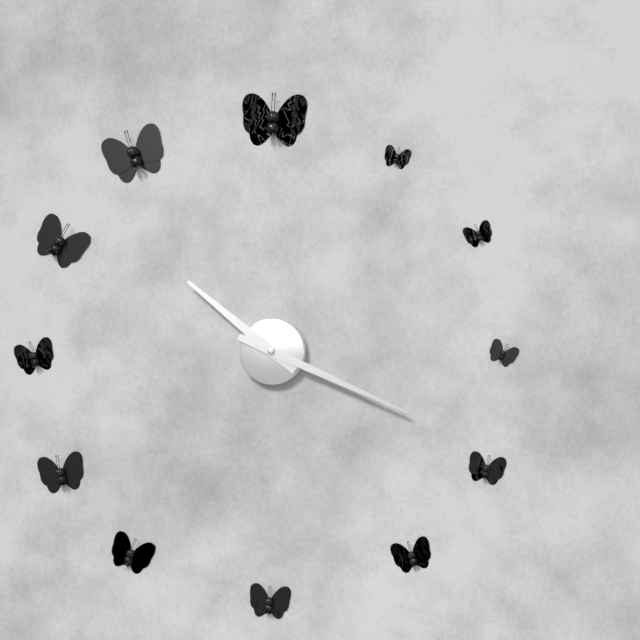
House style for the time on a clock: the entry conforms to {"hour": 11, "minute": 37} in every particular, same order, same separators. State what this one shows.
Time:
{"hour": 10, "minute": 19}
